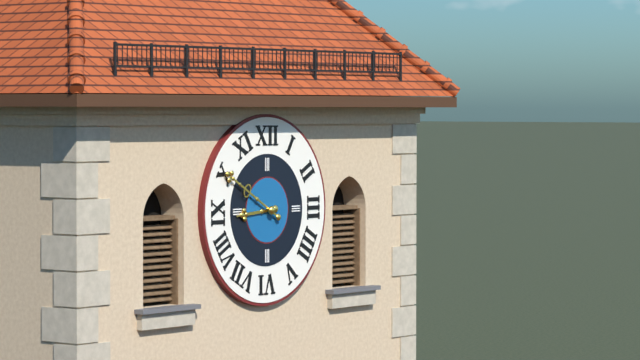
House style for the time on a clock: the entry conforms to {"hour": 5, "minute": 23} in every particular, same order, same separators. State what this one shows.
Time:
{"hour": 8, "minute": 50}
